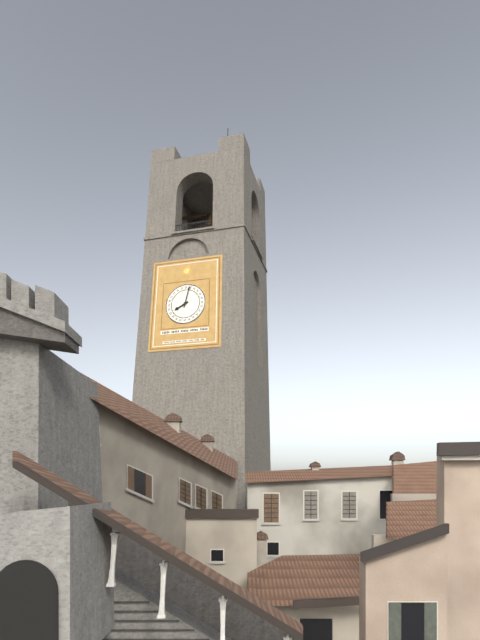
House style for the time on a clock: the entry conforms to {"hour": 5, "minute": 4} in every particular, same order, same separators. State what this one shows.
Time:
{"hour": 8, "minute": 2}
